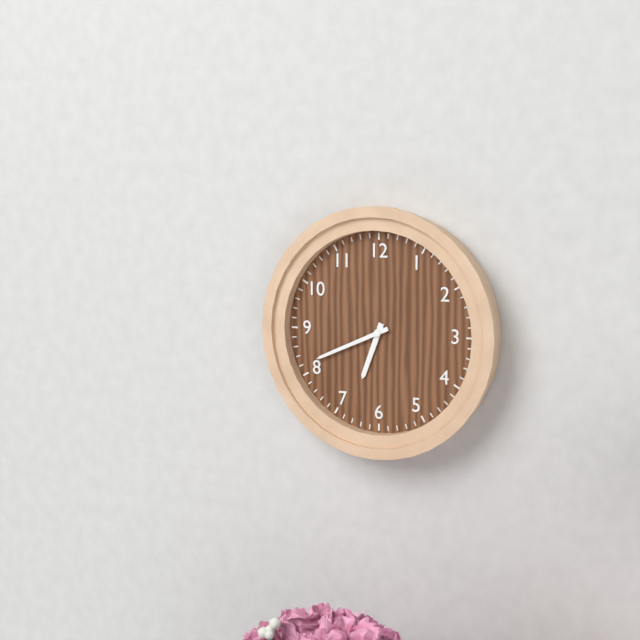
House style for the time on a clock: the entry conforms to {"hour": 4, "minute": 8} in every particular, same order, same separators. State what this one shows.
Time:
{"hour": 6, "minute": 41}
